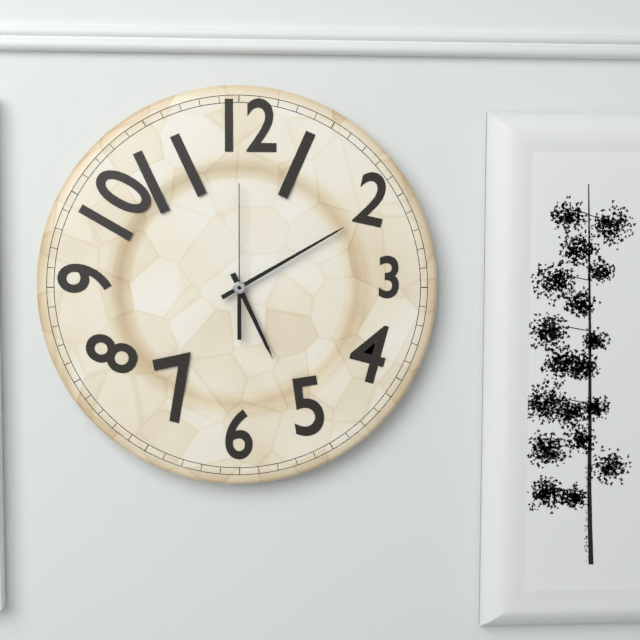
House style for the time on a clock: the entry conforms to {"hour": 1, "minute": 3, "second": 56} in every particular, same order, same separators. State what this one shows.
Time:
{"hour": 5, "minute": 10, "second": 0}
